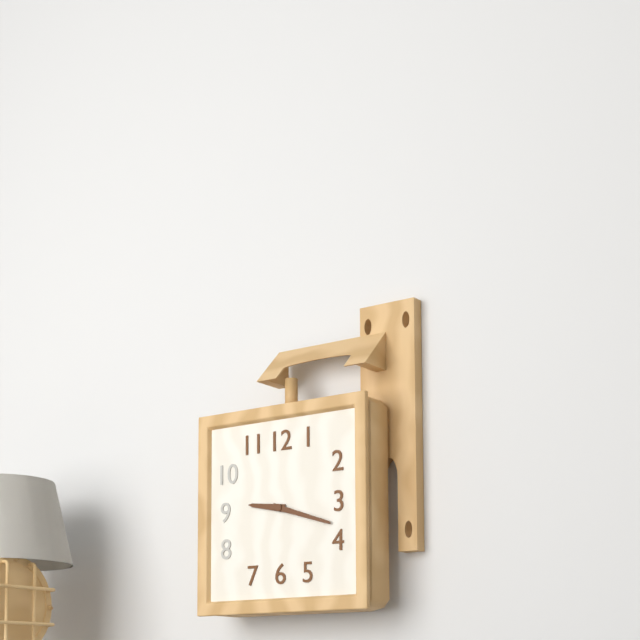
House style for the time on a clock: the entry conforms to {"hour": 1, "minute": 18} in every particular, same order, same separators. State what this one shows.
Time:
{"hour": 9, "minute": 18}
